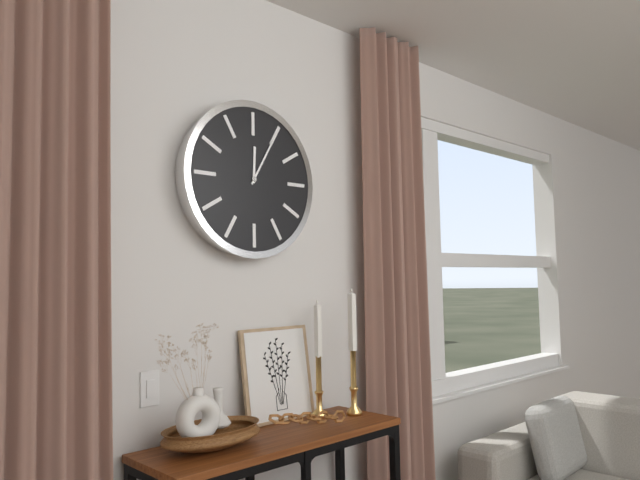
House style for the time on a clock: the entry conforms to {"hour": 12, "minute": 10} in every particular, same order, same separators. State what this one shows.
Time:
{"hour": 12, "minute": 5}
